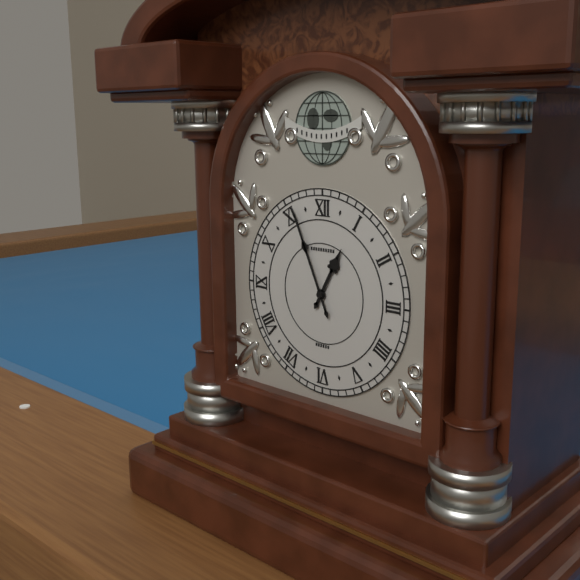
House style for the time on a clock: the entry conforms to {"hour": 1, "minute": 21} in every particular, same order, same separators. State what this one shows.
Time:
{"hour": 12, "minute": 56}
